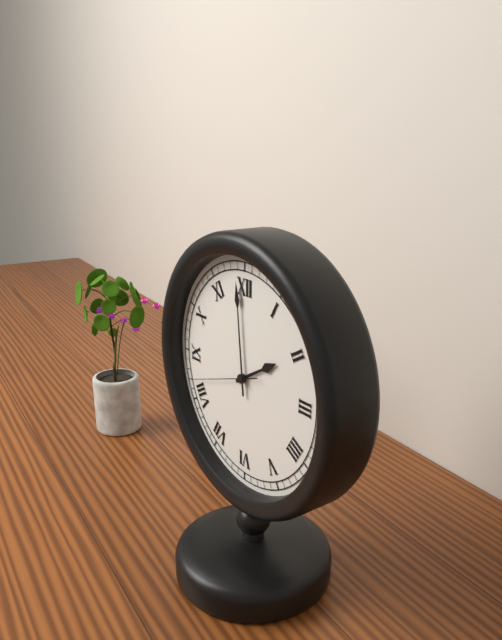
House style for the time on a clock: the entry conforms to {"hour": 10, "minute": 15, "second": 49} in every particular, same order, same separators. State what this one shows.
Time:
{"hour": 1, "minute": 59, "second": 42}
